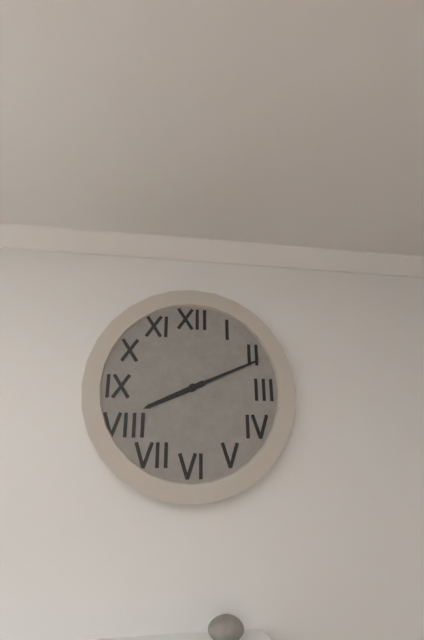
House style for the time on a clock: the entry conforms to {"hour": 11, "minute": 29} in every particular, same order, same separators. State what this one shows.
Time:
{"hour": 8, "minute": 11}
